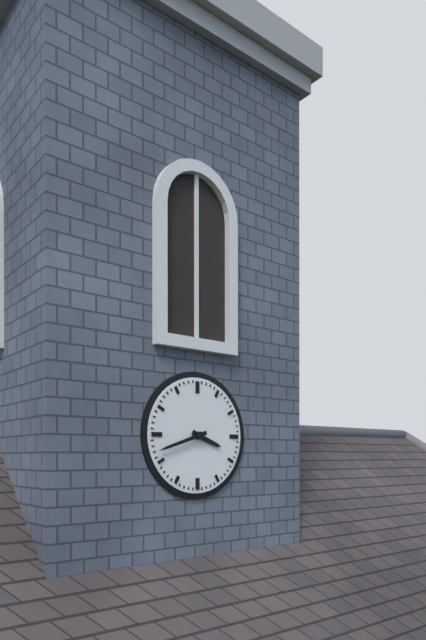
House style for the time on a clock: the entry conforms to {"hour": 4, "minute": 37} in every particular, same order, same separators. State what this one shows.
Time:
{"hour": 3, "minute": 42}
